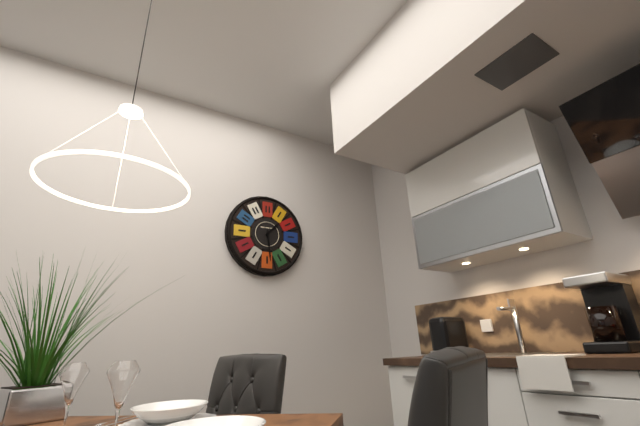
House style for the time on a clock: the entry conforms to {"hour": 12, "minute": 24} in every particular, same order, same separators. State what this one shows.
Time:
{"hour": 1, "minute": 29}
